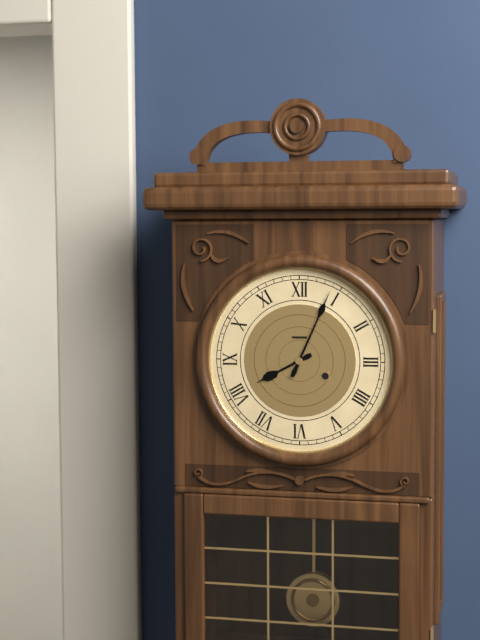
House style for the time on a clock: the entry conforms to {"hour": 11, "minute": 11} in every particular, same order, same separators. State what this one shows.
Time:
{"hour": 8, "minute": 4}
